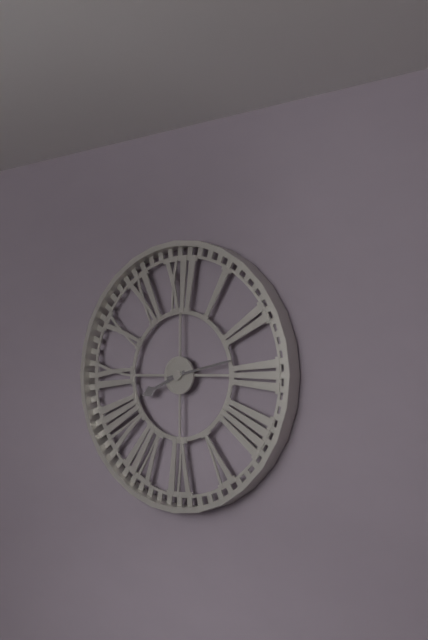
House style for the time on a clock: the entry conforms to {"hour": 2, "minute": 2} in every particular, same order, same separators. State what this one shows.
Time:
{"hour": 8, "minute": 13}
